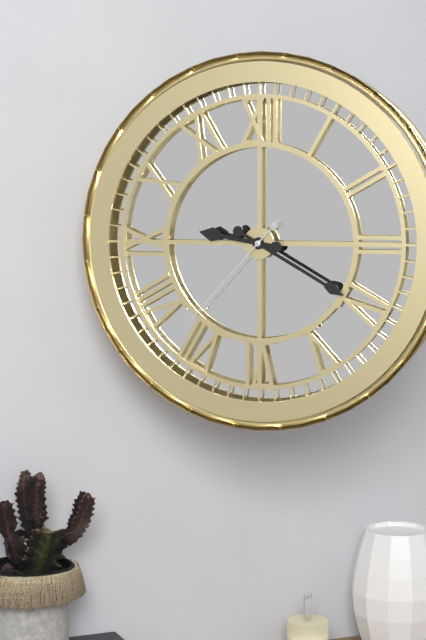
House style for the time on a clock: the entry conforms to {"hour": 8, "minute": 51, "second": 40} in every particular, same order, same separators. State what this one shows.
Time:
{"hour": 9, "minute": 20, "second": 37}
